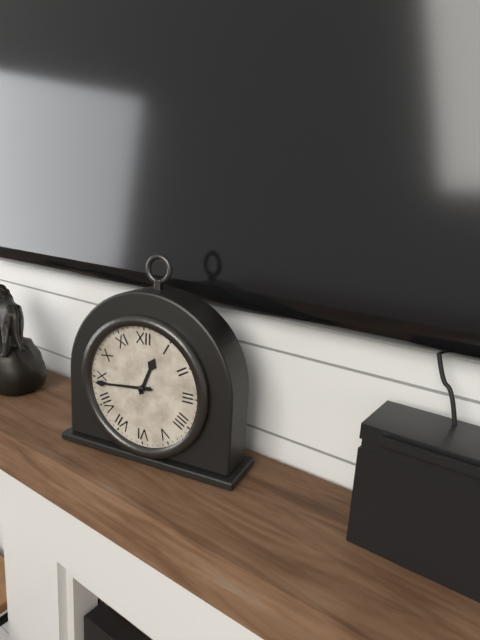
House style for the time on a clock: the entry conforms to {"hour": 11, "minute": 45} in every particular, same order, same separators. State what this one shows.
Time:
{"hour": 12, "minute": 44}
